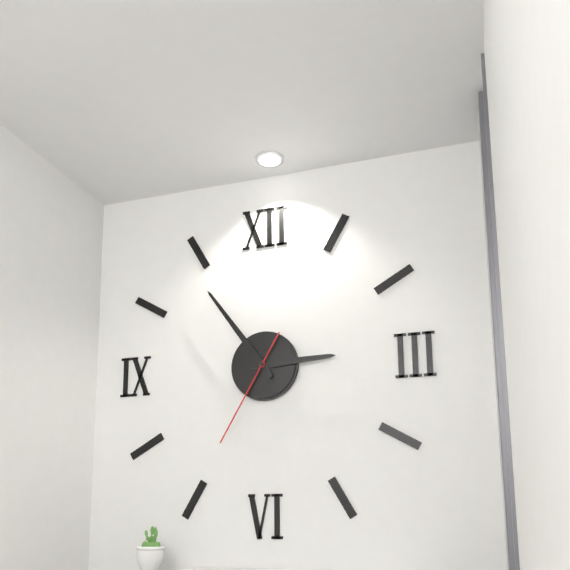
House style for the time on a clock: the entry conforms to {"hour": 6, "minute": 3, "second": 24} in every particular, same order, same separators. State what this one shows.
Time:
{"hour": 2, "minute": 54, "second": 35}
